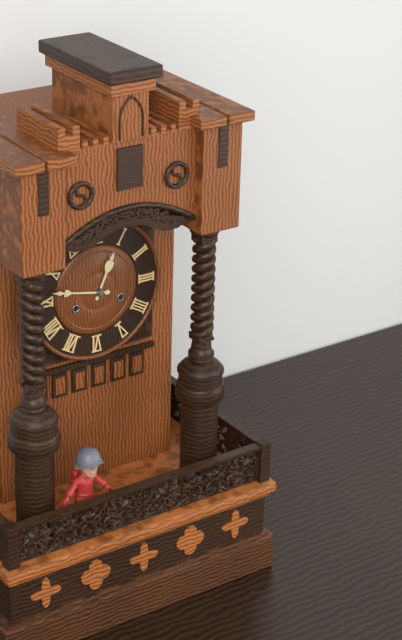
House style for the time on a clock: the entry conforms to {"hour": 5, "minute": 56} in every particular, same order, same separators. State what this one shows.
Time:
{"hour": 12, "minute": 47}
